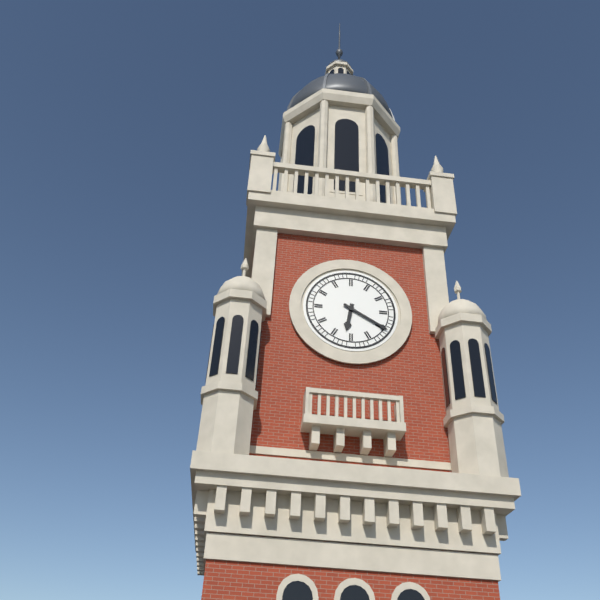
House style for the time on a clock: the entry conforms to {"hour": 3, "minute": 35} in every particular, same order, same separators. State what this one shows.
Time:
{"hour": 6, "minute": 20}
